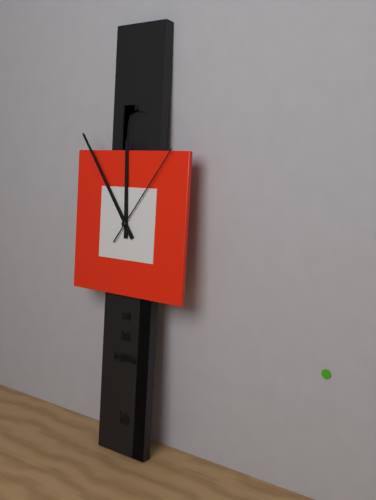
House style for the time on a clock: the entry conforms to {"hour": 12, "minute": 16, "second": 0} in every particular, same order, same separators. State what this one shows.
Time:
{"hour": 11, "minute": 54, "second": 6}
